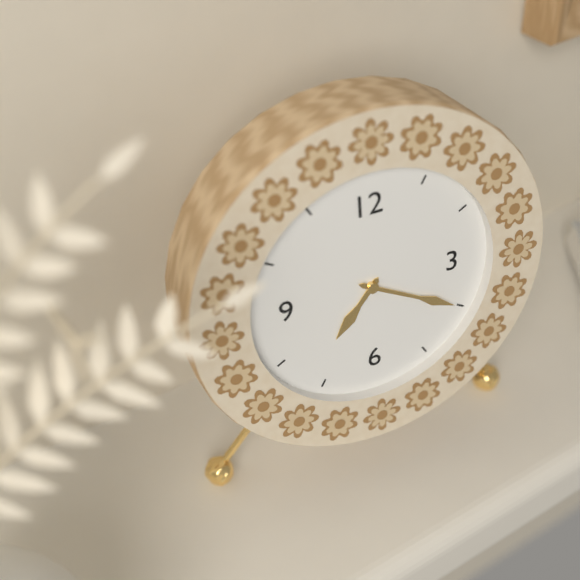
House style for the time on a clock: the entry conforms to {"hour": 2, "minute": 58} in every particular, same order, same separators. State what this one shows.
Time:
{"hour": 7, "minute": 20}
